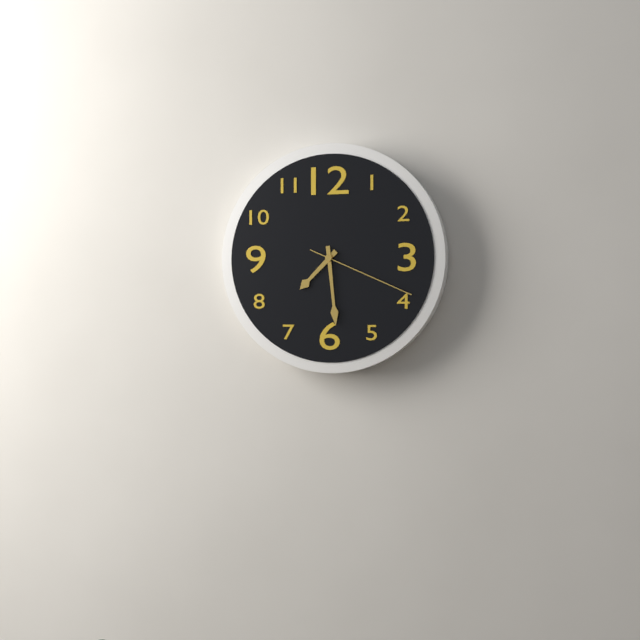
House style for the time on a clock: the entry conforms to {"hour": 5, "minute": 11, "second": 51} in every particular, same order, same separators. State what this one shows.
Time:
{"hour": 7, "minute": 29, "second": 19}
